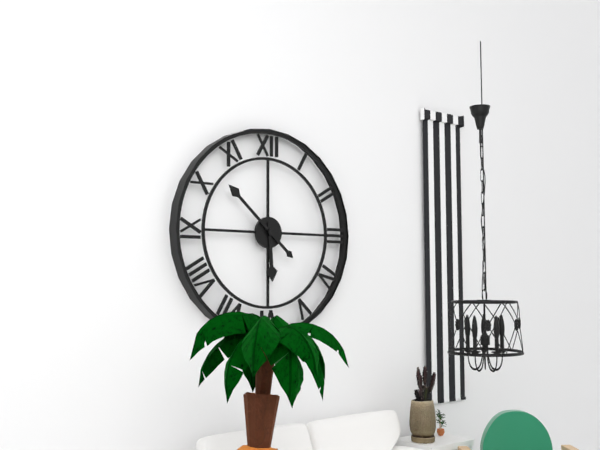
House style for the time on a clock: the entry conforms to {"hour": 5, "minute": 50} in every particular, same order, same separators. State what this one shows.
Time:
{"hour": 5, "minute": 52}
